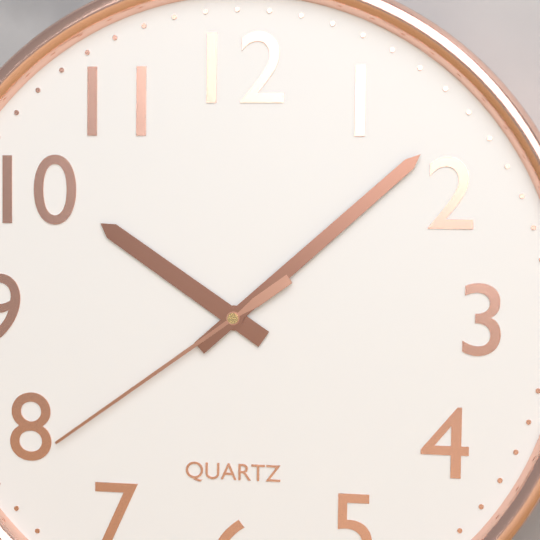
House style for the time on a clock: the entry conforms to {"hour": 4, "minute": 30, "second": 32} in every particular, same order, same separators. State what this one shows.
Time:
{"hour": 10, "minute": 8, "second": 39}
